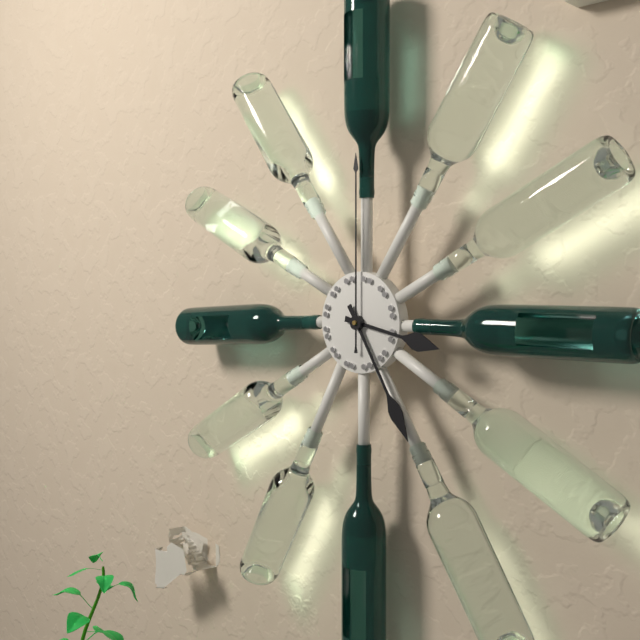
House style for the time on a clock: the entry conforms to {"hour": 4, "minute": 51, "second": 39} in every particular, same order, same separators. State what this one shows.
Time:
{"hour": 3, "minute": 25, "second": 0}
